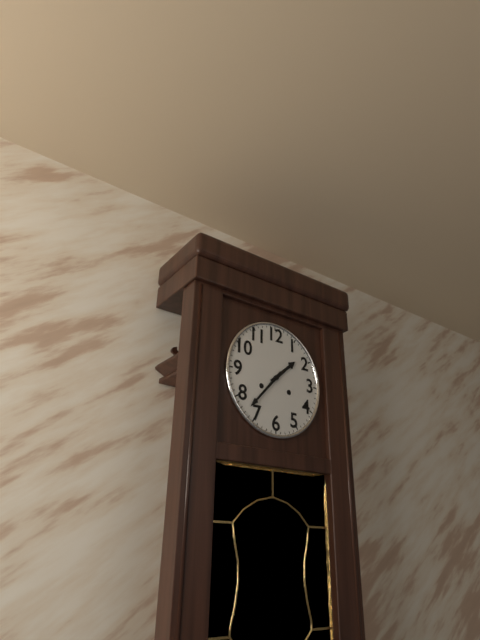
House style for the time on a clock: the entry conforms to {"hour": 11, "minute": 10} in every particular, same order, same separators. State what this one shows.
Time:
{"hour": 1, "minute": 37}
